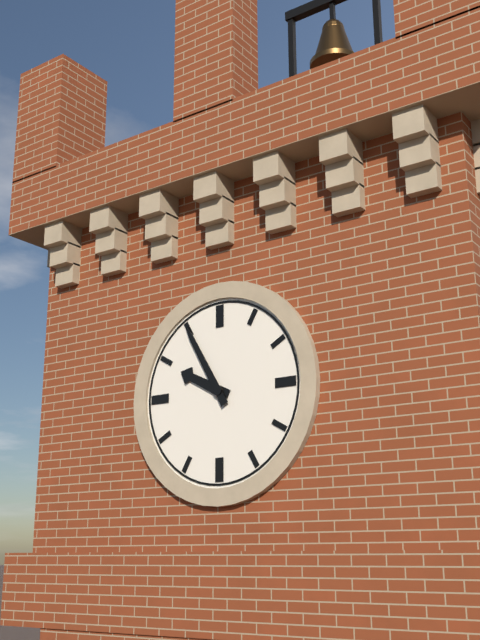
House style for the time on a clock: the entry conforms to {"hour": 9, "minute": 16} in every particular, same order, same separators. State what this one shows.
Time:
{"hour": 9, "minute": 55}
